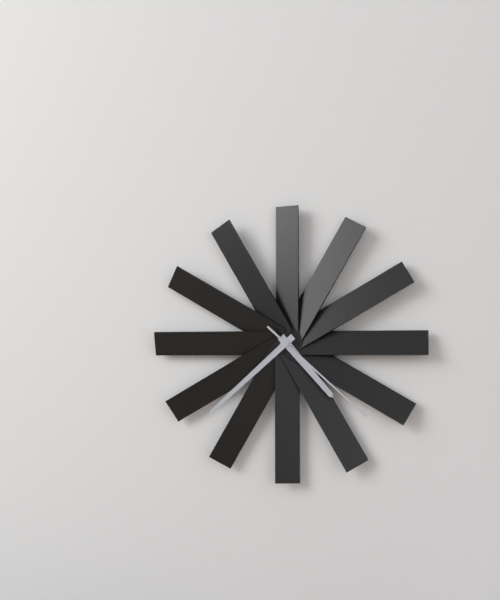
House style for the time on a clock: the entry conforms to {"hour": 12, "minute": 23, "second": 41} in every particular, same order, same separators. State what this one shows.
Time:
{"hour": 4, "minute": 38, "second": 22}
